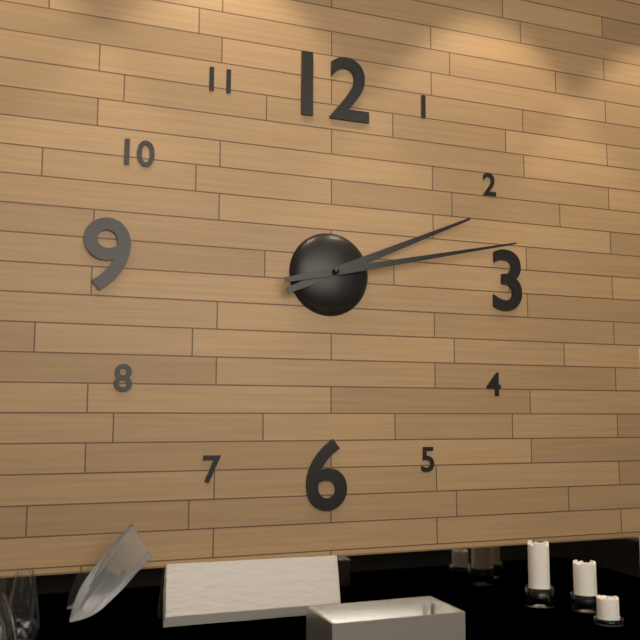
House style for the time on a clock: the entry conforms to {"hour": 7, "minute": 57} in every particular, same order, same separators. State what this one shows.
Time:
{"hour": 2, "minute": 13}
